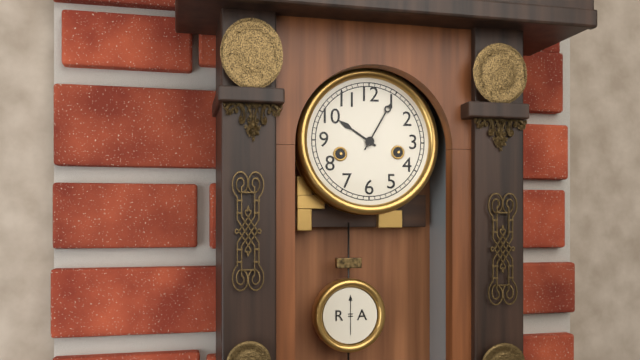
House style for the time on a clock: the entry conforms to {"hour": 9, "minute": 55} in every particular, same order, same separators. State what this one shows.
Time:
{"hour": 10, "minute": 5}
